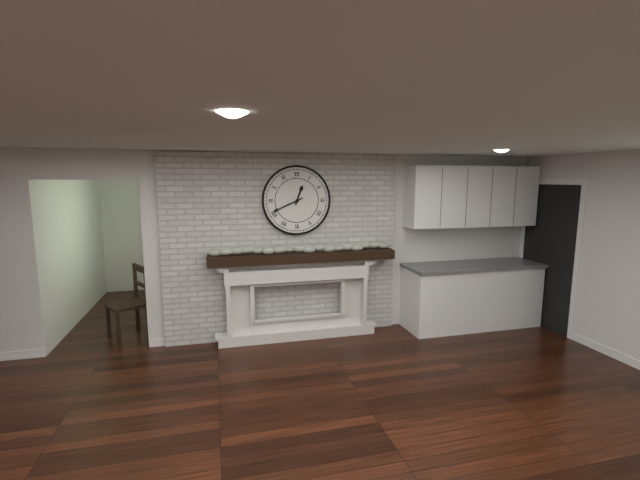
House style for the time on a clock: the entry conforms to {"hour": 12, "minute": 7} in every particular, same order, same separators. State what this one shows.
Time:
{"hour": 12, "minute": 41}
